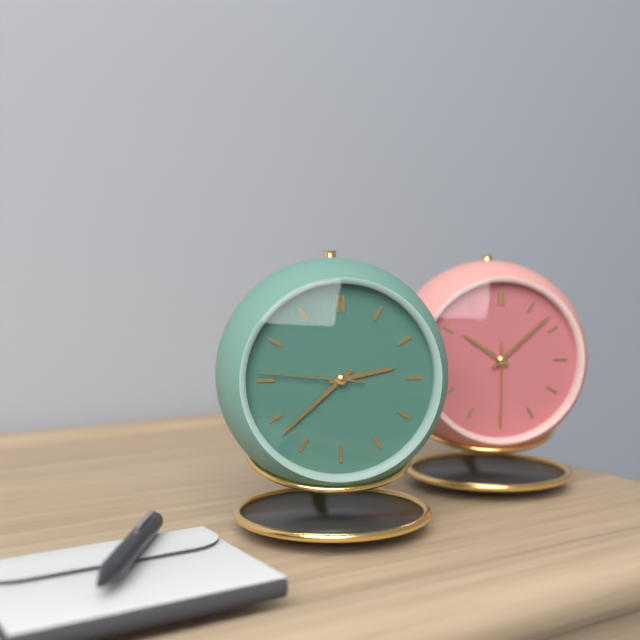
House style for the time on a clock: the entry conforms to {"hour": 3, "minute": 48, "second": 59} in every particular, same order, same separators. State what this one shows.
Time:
{"hour": 2, "minute": 38, "second": 46}
